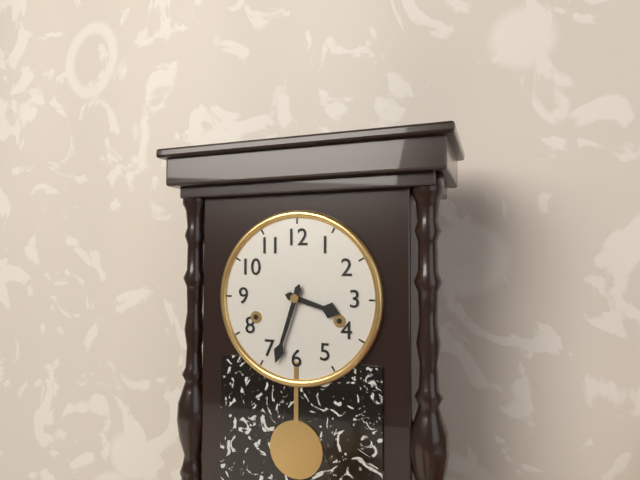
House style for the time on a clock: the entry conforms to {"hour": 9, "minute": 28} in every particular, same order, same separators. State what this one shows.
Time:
{"hour": 3, "minute": 33}
